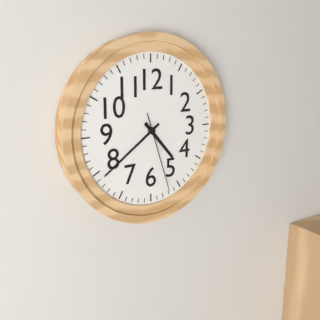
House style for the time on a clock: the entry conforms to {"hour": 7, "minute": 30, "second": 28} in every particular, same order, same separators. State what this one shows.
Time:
{"hour": 4, "minute": 39, "second": 27}
